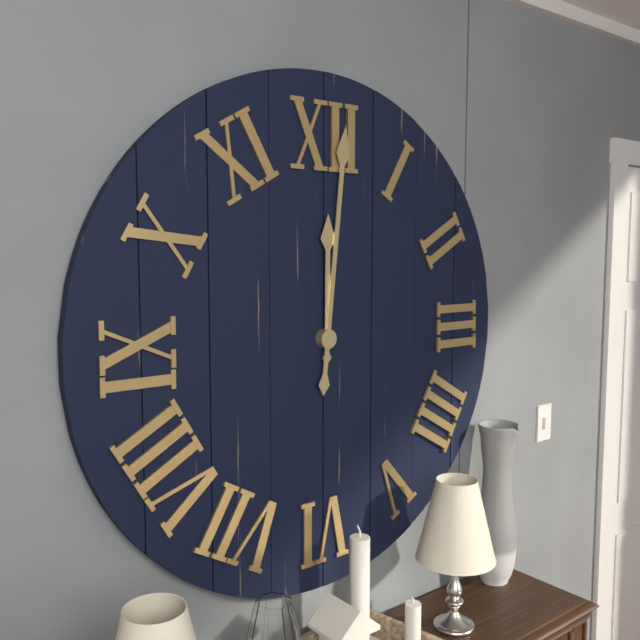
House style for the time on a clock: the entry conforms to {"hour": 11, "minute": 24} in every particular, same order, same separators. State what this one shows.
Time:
{"hour": 12, "minute": 1}
